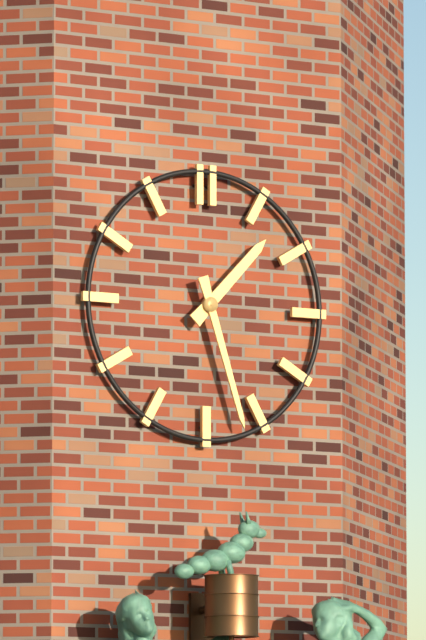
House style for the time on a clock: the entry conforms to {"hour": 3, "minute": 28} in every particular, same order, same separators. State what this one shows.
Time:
{"hour": 1, "minute": 27}
